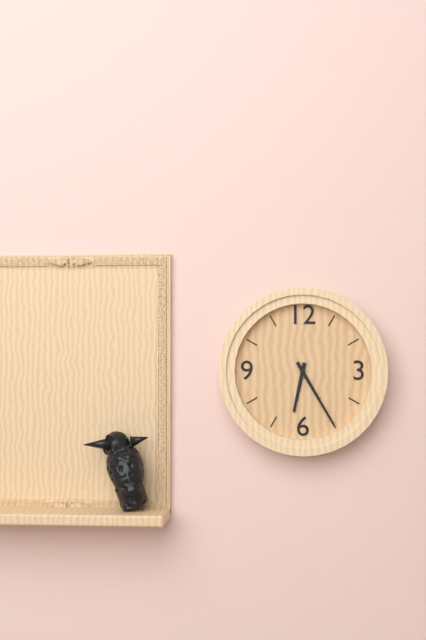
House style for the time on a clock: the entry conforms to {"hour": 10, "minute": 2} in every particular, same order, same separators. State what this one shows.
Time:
{"hour": 6, "minute": 25}
